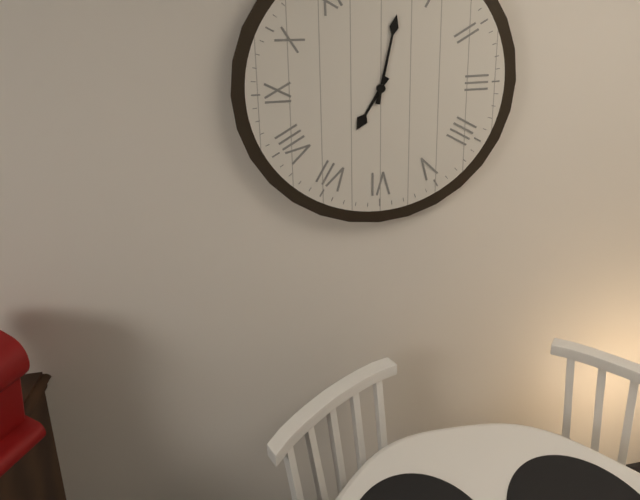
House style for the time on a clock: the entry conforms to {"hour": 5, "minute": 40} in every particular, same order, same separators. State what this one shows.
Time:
{"hour": 7, "minute": 2}
